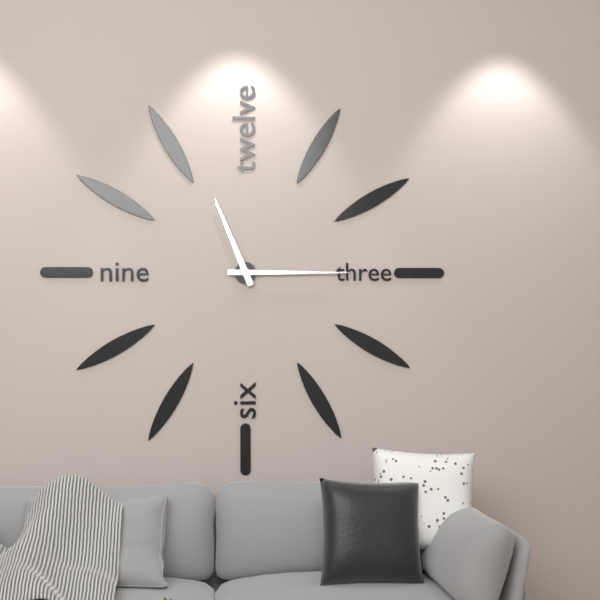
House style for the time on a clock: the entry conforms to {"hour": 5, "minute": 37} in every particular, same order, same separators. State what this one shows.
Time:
{"hour": 11, "minute": 15}
